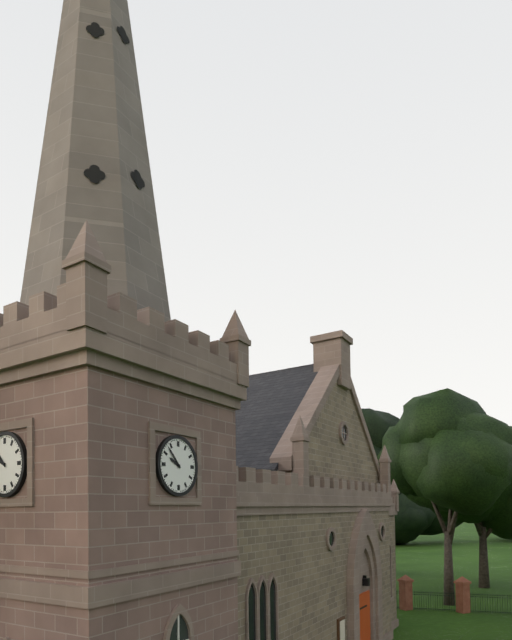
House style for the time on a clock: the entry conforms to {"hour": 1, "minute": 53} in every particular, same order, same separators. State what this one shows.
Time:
{"hour": 9, "minute": 53}
